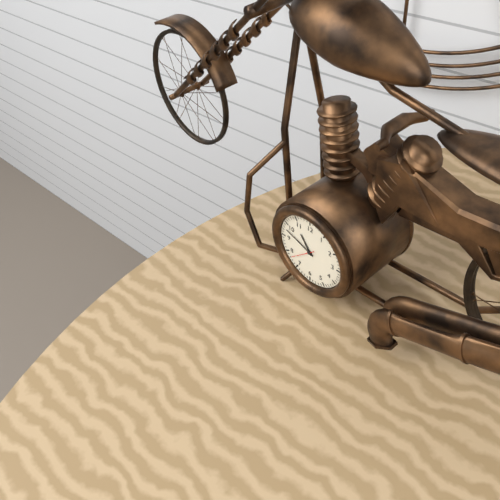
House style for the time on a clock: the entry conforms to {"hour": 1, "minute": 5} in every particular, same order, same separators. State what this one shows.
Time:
{"hour": 10, "minute": 48}
